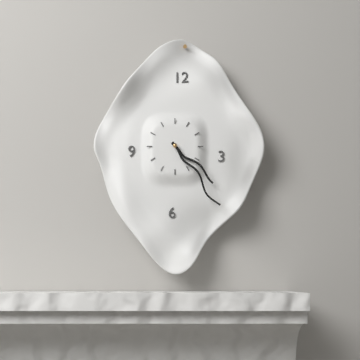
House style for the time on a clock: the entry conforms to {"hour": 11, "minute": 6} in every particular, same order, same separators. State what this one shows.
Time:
{"hour": 4, "minute": 24}
